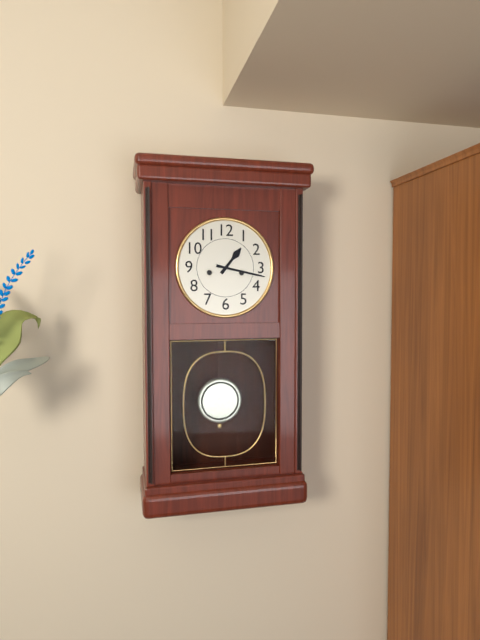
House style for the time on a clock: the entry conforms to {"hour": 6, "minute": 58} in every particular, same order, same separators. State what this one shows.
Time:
{"hour": 1, "minute": 17}
